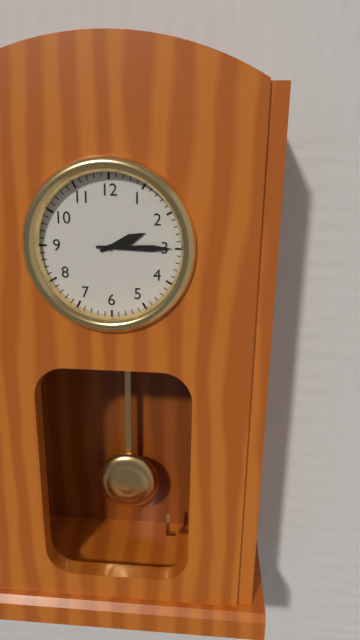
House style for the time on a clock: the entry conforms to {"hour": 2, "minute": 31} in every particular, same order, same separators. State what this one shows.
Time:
{"hour": 2, "minute": 15}
